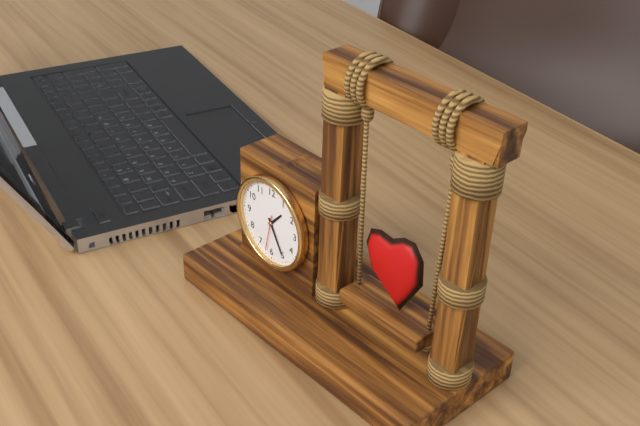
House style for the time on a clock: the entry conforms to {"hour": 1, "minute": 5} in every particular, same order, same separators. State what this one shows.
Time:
{"hour": 1, "minute": 25}
